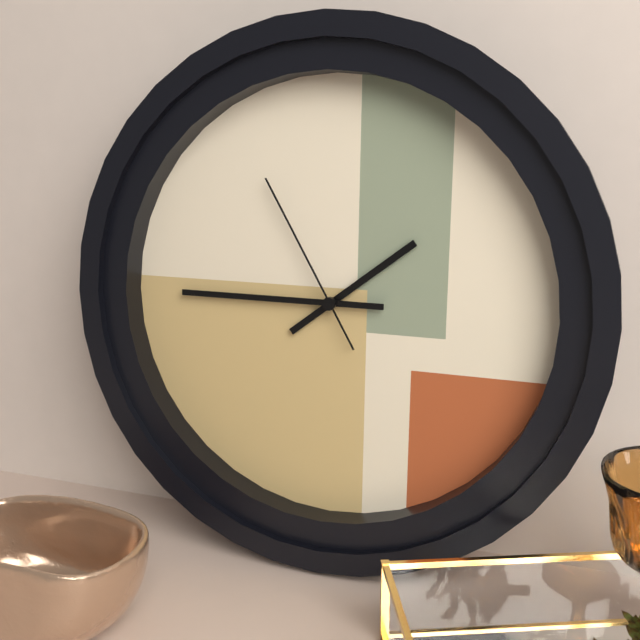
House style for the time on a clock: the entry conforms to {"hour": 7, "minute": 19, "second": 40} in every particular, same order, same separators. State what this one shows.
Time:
{"hour": 1, "minute": 45, "second": 55}
